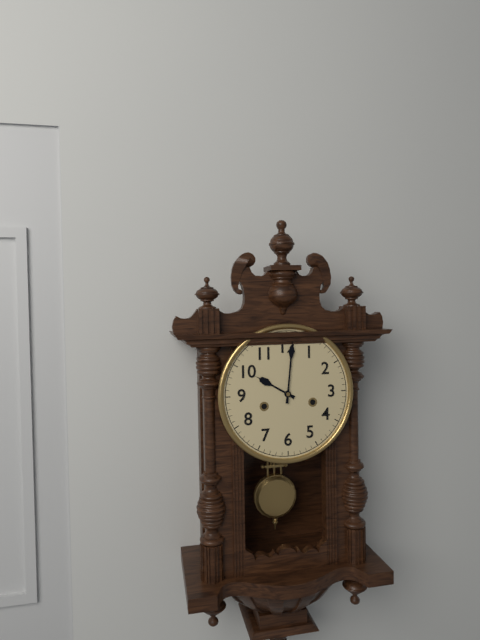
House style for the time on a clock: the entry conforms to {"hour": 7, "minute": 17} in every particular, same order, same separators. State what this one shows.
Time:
{"hour": 10, "minute": 1}
